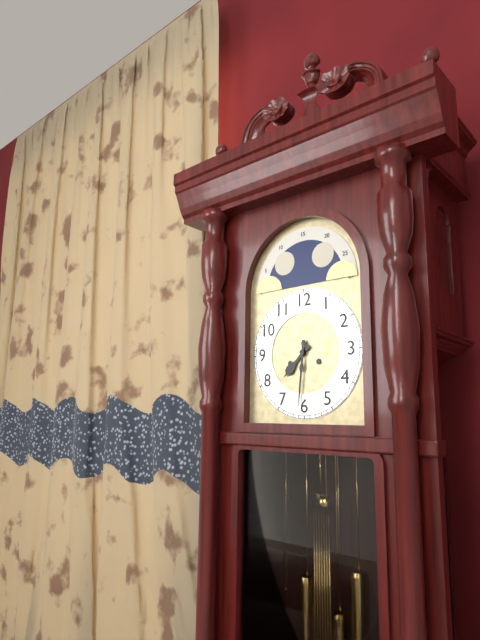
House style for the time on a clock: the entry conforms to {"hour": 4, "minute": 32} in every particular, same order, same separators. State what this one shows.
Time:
{"hour": 7, "minute": 31}
